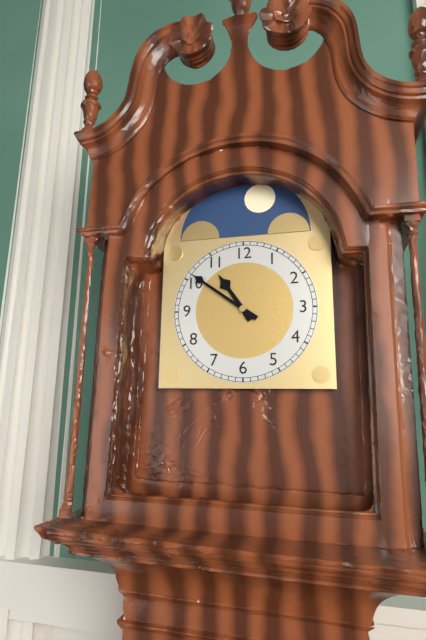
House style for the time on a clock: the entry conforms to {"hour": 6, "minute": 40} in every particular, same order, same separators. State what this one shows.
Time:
{"hour": 10, "minute": 51}
